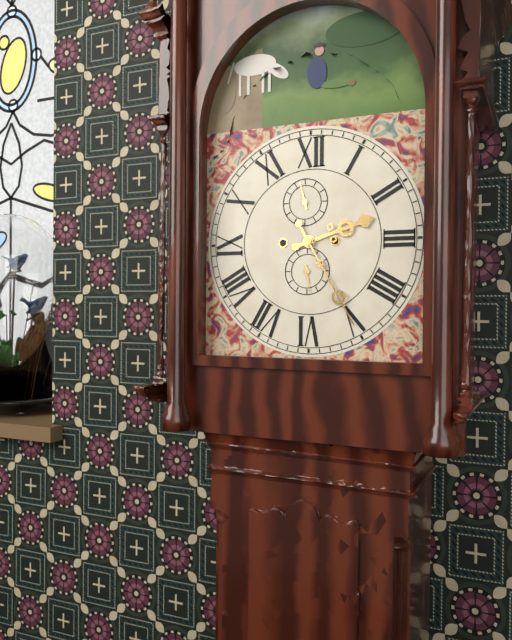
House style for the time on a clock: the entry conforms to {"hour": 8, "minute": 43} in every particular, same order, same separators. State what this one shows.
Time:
{"hour": 2, "minute": 25}
